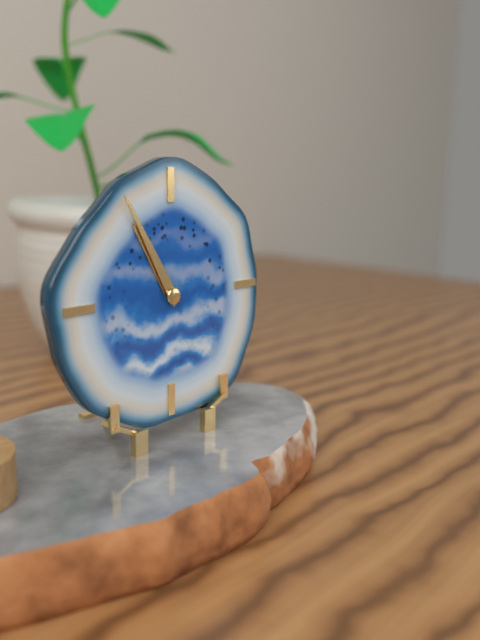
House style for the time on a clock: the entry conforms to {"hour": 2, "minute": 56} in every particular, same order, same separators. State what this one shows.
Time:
{"hour": 10, "minute": 55}
